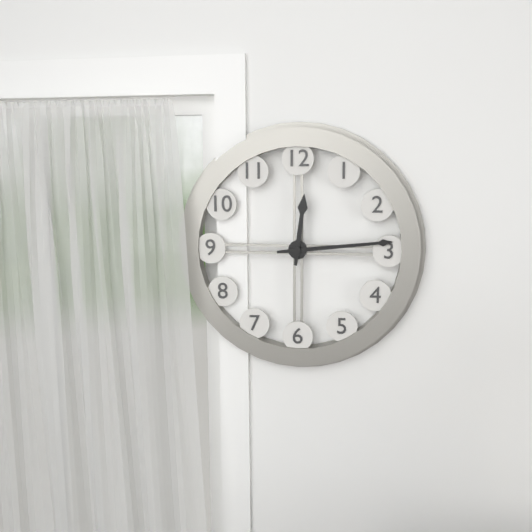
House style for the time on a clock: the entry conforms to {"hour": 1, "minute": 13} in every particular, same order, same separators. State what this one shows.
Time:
{"hour": 12, "minute": 14}
